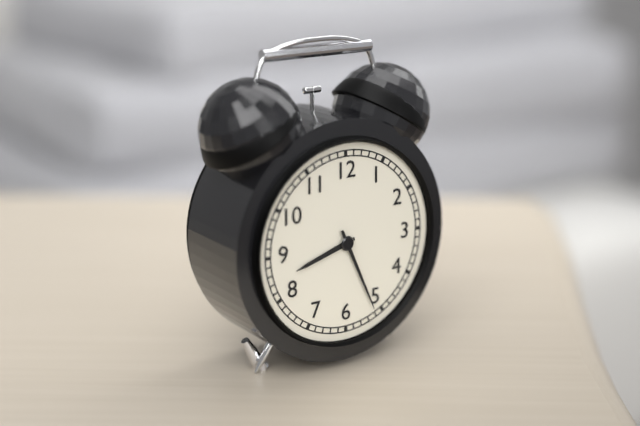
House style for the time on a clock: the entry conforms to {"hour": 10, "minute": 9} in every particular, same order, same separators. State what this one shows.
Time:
{"hour": 8, "minute": 26}
